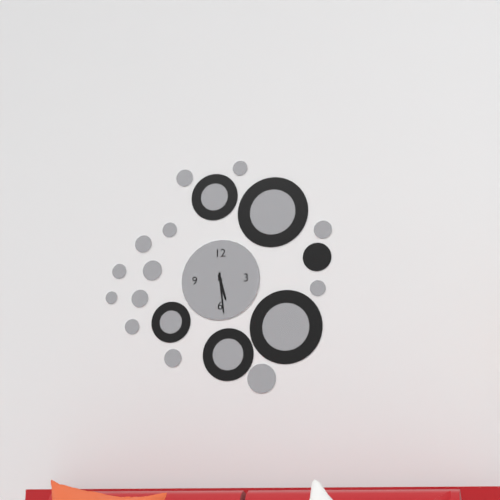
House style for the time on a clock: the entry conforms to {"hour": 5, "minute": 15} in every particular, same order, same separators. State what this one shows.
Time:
{"hour": 5, "minute": 29}
